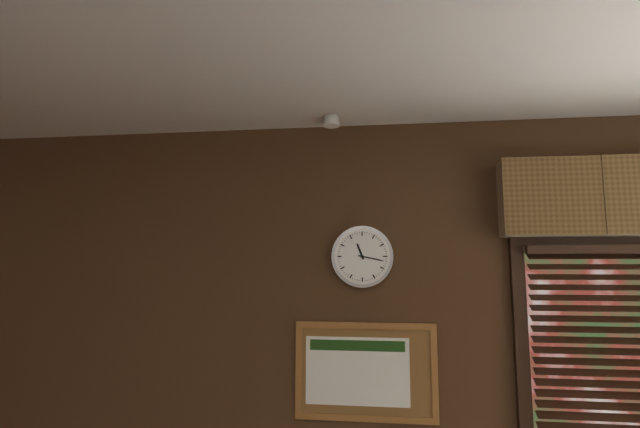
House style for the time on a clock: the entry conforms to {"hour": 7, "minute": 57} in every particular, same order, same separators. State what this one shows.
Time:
{"hour": 11, "minute": 17}
